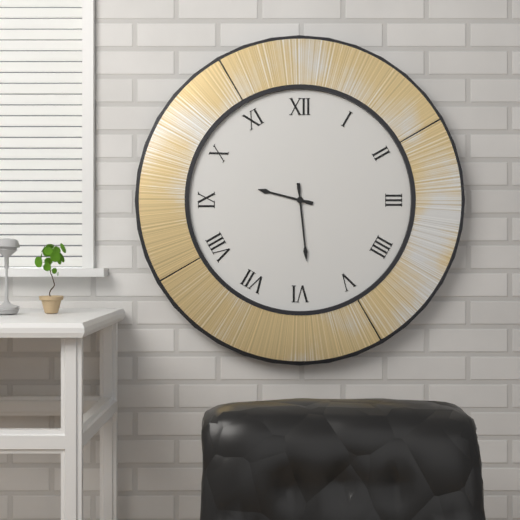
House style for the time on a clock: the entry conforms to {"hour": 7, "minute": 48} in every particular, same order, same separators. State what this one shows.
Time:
{"hour": 9, "minute": 29}
